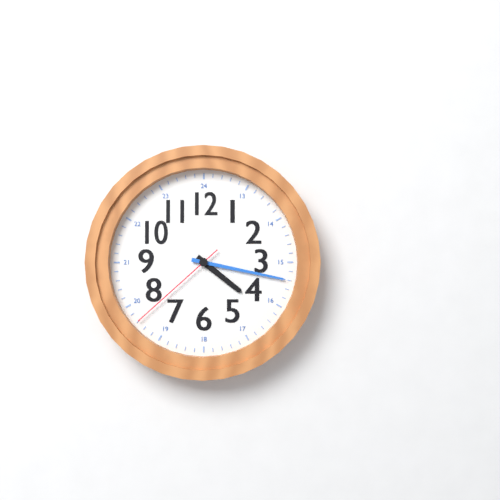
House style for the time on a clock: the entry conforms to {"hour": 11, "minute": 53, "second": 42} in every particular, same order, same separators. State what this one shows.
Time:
{"hour": 4, "minute": 17, "second": 38}
